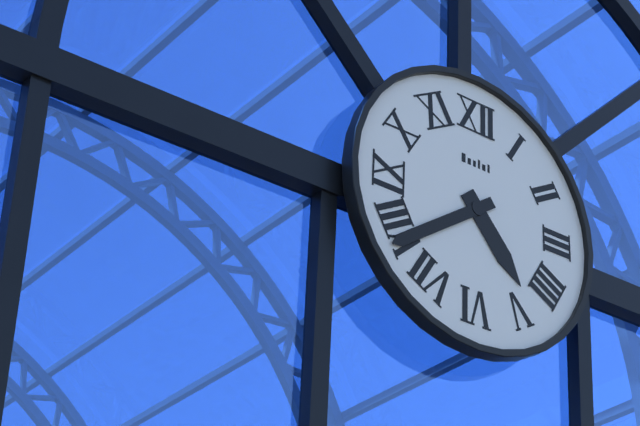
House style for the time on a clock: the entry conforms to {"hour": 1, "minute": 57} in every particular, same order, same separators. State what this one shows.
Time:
{"hour": 4, "minute": 39}
